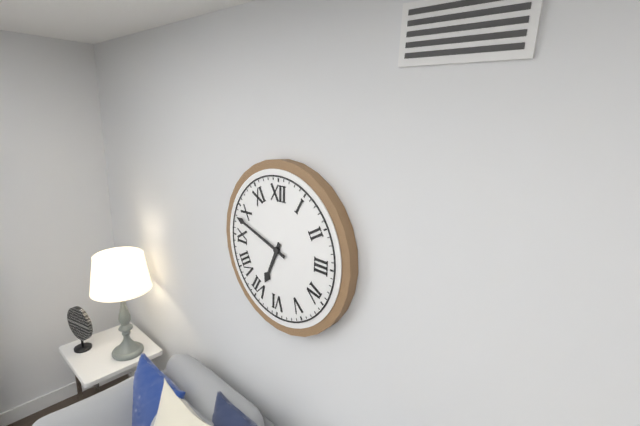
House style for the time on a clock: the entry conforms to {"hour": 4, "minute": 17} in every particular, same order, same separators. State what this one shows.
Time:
{"hour": 6, "minute": 48}
